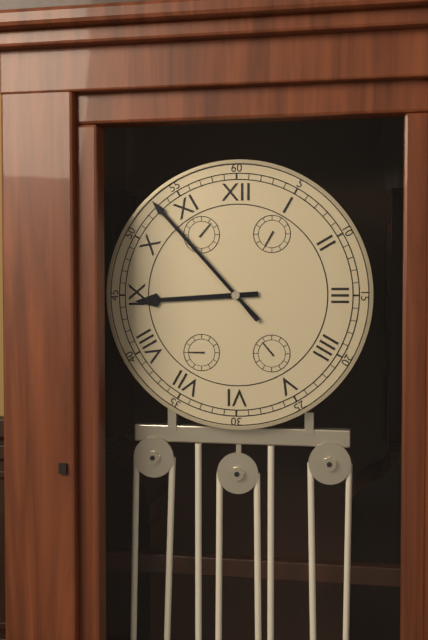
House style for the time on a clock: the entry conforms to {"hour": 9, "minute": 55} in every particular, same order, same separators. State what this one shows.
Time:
{"hour": 8, "minute": 53}
